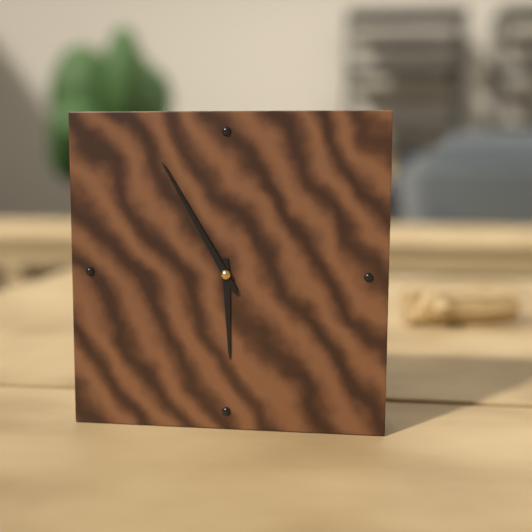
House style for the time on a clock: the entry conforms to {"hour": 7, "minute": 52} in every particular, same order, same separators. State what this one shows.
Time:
{"hour": 5, "minute": 55}
